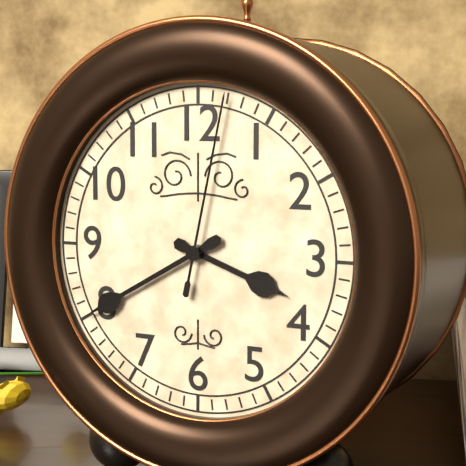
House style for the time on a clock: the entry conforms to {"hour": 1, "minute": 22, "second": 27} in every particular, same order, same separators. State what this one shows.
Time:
{"hour": 3, "minute": 40, "second": 2}
